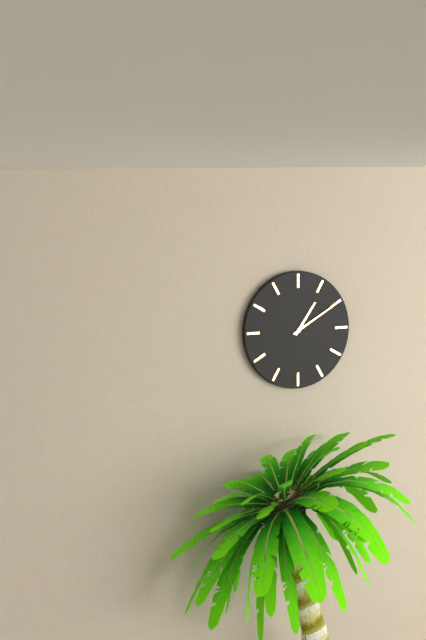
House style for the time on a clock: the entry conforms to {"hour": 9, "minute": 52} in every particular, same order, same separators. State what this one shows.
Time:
{"hour": 1, "minute": 10}
